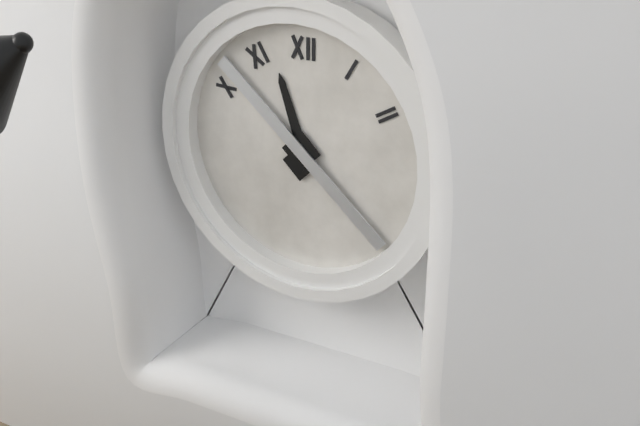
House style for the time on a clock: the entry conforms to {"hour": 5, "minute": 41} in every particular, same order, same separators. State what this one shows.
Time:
{"hour": 11, "minute": 22}
